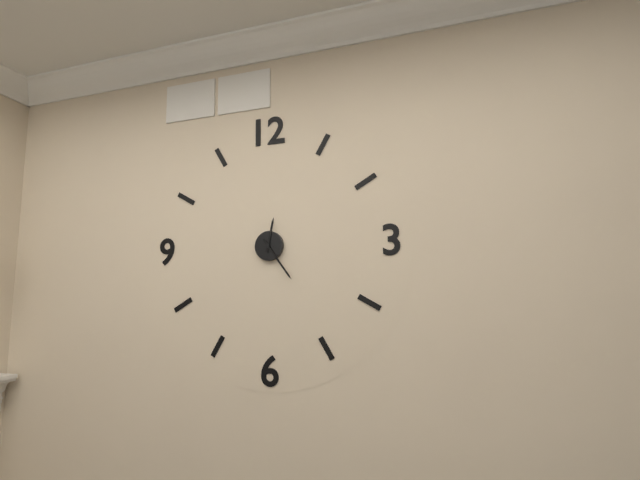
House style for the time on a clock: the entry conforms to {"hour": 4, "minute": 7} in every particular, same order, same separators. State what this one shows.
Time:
{"hour": 12, "minute": 24}
